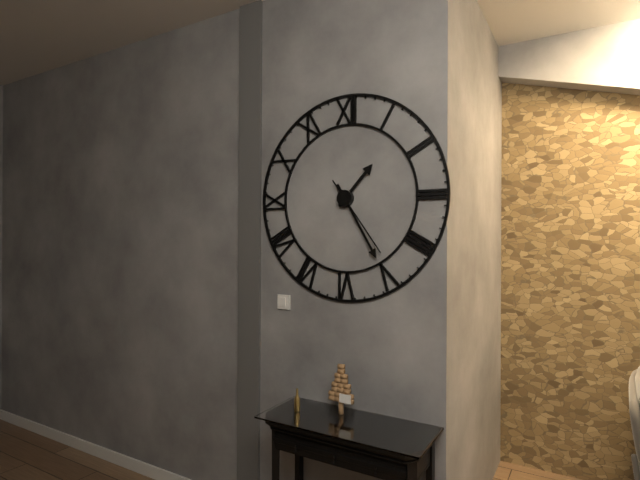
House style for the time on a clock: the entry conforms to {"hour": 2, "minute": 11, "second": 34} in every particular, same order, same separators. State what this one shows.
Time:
{"hour": 1, "minute": 25, "second": 24}
